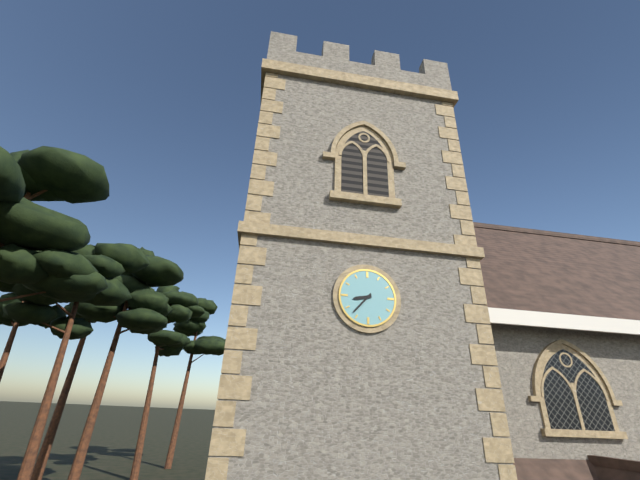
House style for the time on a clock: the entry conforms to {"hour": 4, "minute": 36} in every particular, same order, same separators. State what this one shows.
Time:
{"hour": 8, "minute": 37}
